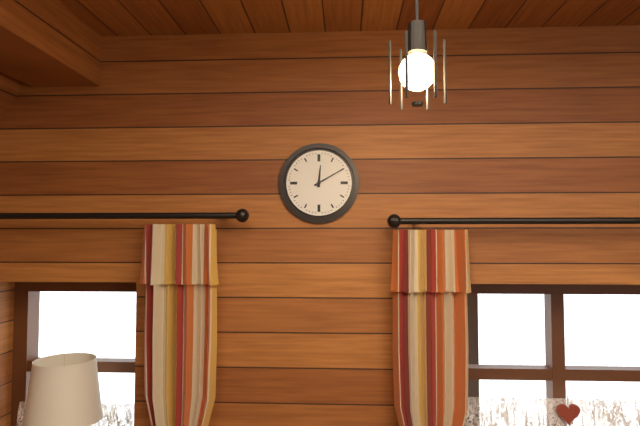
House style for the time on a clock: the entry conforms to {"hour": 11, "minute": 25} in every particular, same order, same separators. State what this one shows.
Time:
{"hour": 12, "minute": 10}
